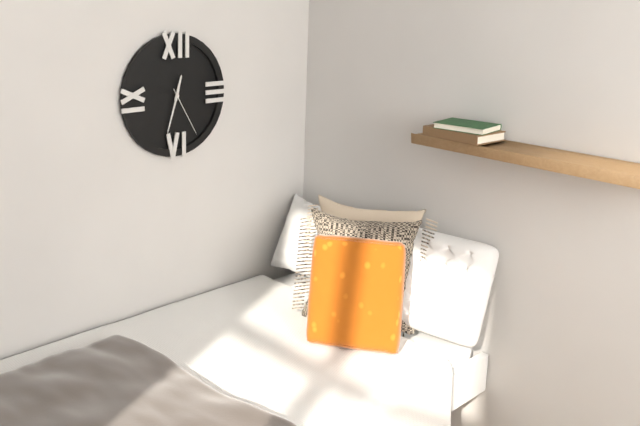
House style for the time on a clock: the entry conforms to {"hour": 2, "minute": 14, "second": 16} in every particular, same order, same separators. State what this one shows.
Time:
{"hour": 12, "minute": 33, "second": 25}
